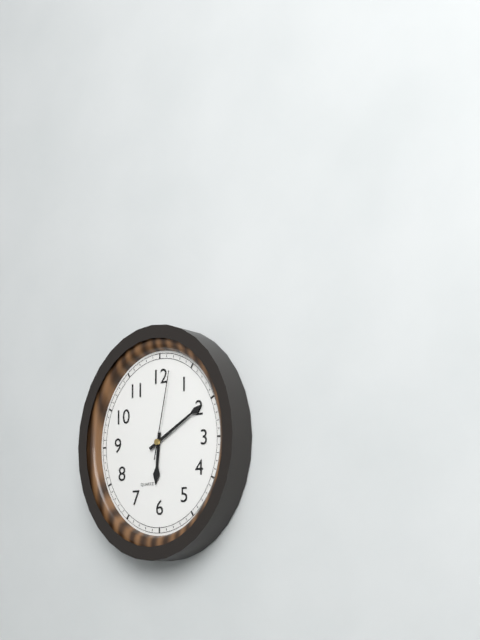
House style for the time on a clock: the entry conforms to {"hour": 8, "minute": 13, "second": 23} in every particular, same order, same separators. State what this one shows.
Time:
{"hour": 6, "minute": 10, "second": 2}
